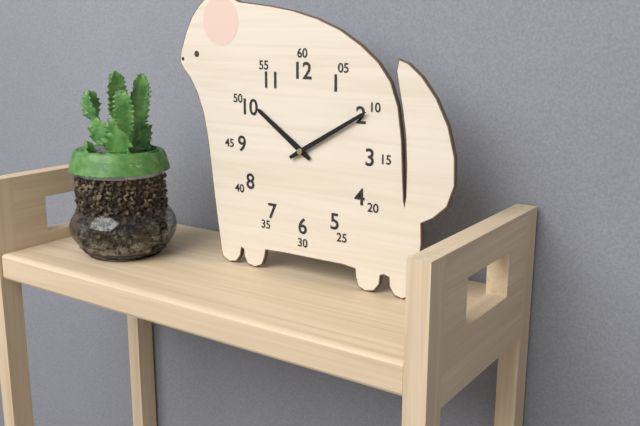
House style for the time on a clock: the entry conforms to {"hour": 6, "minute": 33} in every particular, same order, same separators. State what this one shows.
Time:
{"hour": 10, "minute": 10}
